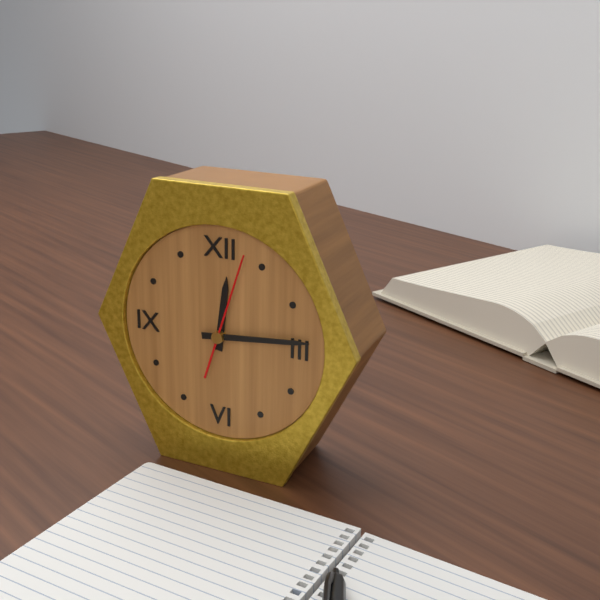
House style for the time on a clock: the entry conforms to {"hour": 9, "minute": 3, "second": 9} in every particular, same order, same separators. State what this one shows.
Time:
{"hour": 12, "minute": 14, "second": 3}
